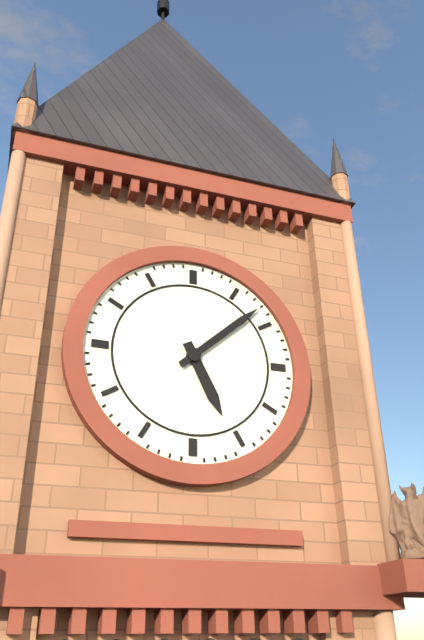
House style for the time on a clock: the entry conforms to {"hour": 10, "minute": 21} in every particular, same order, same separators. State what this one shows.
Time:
{"hour": 5, "minute": 8}
